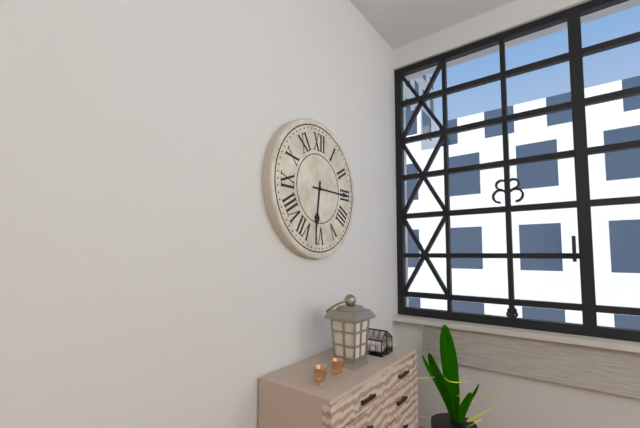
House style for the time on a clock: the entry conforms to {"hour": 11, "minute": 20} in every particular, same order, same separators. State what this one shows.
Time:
{"hour": 6, "minute": 15}
